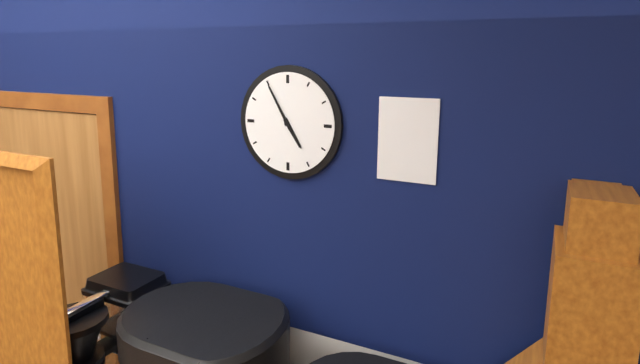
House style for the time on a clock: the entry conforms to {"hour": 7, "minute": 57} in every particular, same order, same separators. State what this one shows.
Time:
{"hour": 4, "minute": 55}
